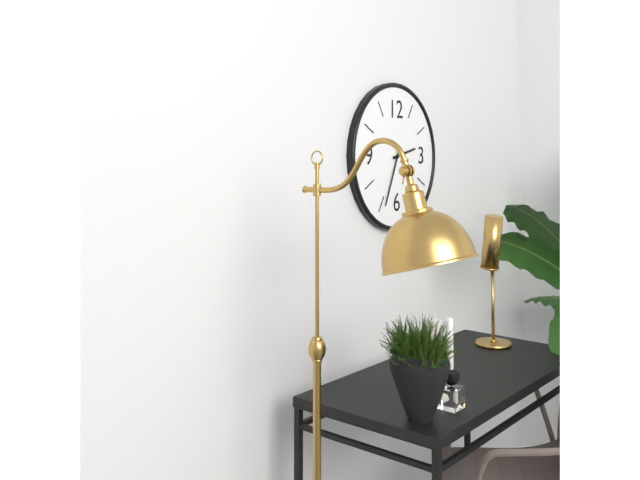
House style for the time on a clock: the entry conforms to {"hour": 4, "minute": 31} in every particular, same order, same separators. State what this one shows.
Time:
{"hour": 2, "minute": 34}
